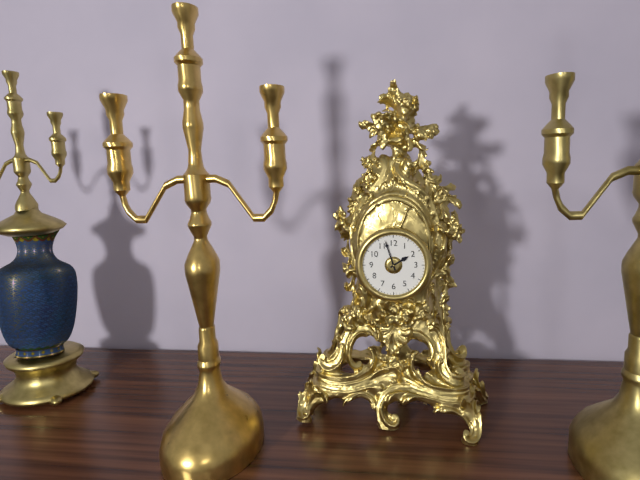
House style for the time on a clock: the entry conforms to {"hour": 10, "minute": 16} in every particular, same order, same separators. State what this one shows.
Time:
{"hour": 1, "minute": 57}
